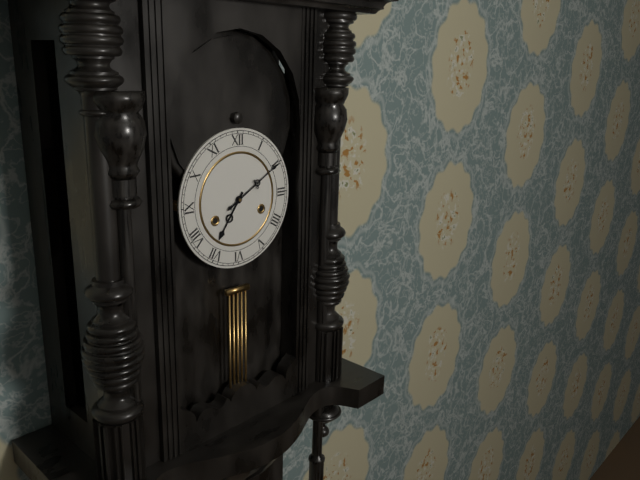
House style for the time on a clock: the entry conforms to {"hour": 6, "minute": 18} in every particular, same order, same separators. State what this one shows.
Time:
{"hour": 7, "minute": 10}
